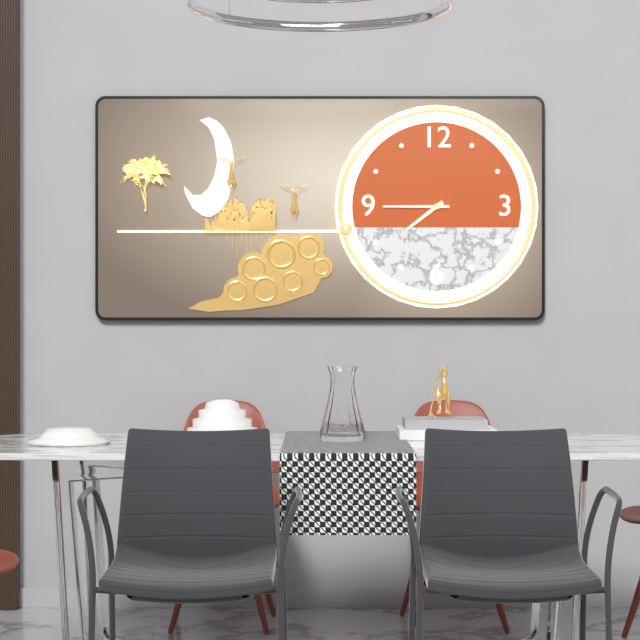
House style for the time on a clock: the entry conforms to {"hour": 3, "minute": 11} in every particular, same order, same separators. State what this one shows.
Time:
{"hour": 7, "minute": 45}
